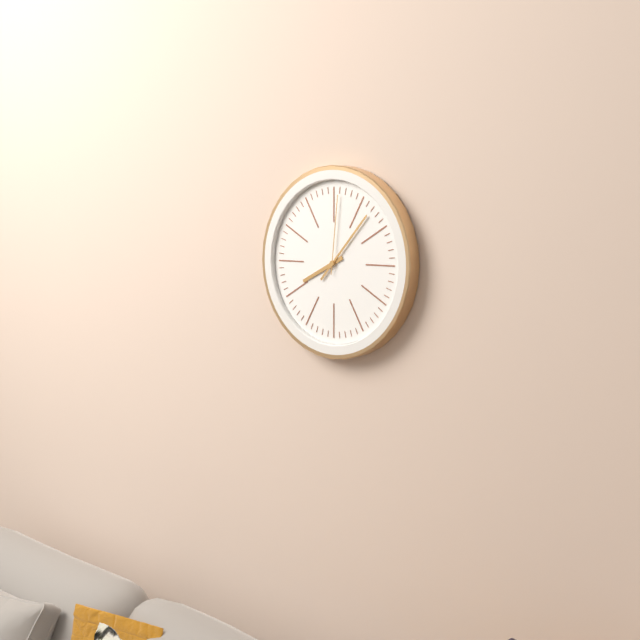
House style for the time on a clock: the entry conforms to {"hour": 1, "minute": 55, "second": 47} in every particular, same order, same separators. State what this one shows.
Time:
{"hour": 8, "minute": 7, "second": 1}
